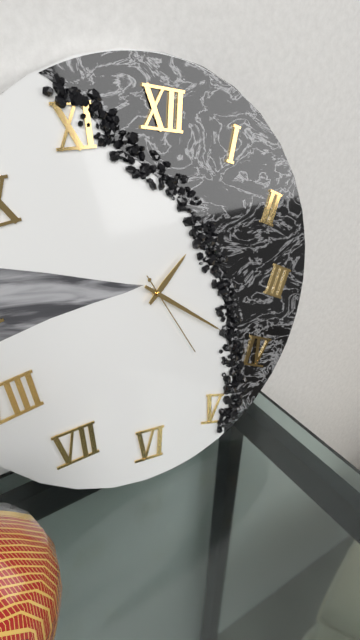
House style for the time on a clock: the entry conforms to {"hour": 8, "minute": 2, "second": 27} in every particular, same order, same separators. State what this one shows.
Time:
{"hour": 1, "minute": 20, "second": 24}
